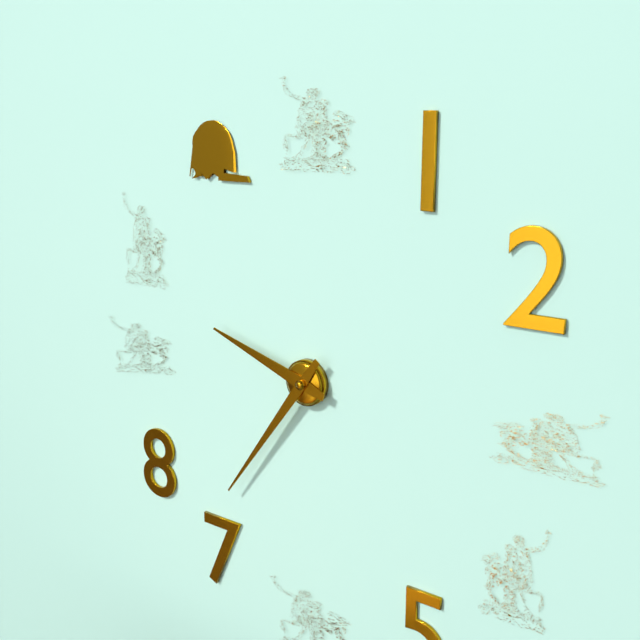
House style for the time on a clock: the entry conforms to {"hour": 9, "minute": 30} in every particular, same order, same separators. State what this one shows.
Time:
{"hour": 9, "minute": 36}
